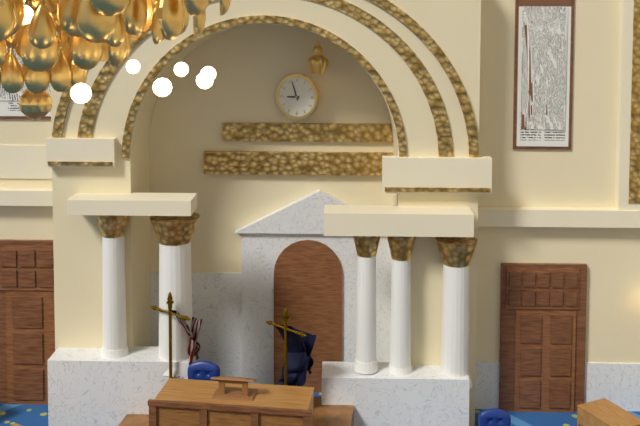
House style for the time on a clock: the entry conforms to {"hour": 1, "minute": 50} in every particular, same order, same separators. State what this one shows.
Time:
{"hour": 8, "minute": 57}
